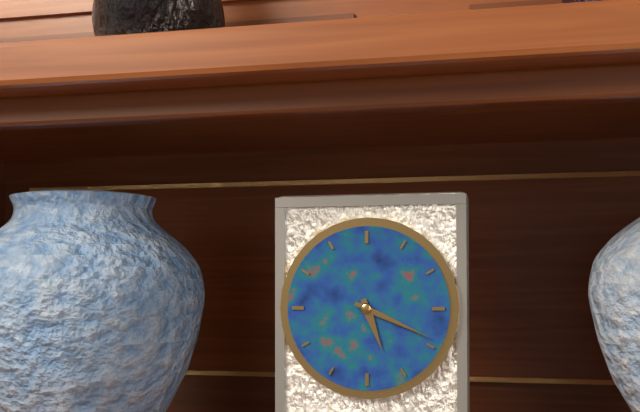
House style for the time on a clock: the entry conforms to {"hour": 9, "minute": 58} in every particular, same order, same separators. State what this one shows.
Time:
{"hour": 5, "minute": 19}
